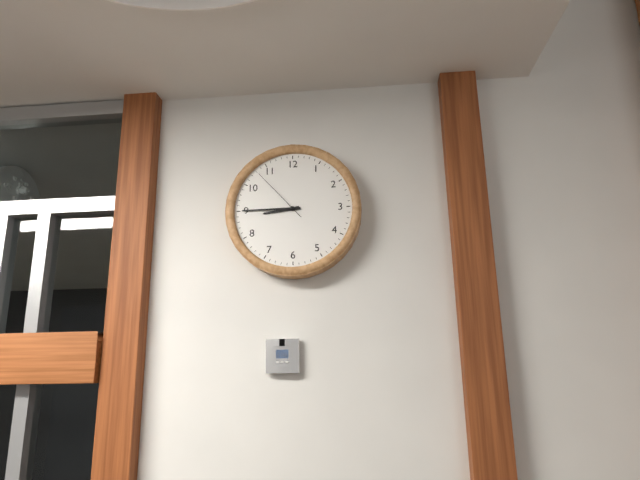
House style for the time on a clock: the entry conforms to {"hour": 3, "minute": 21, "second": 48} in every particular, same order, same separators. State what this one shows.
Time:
{"hour": 8, "minute": 45, "second": 53}
